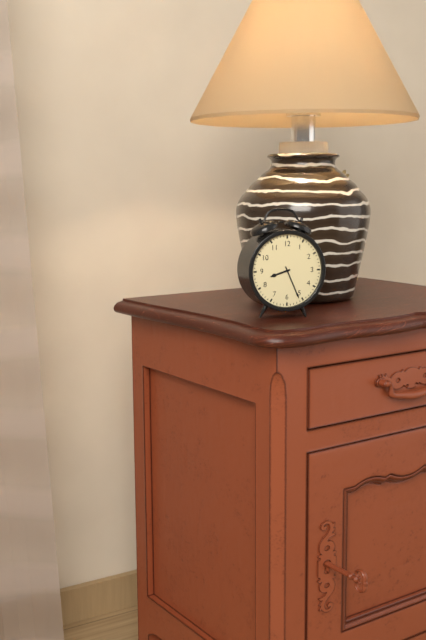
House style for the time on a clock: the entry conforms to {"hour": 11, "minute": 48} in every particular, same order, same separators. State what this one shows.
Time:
{"hour": 8, "minute": 26}
